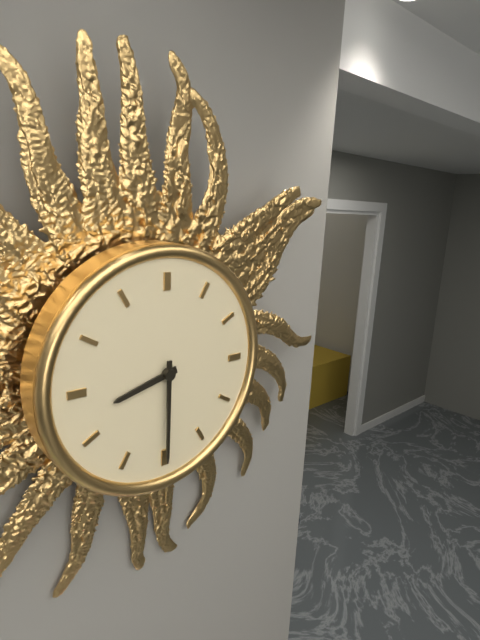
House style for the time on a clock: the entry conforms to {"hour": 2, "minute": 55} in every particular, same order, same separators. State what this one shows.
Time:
{"hour": 8, "minute": 30}
